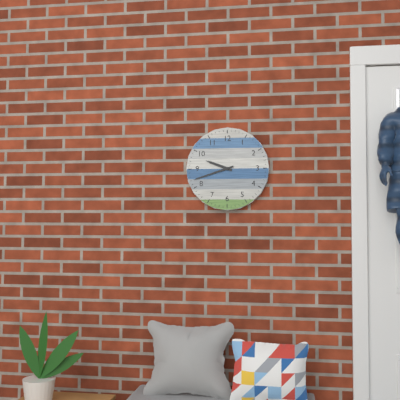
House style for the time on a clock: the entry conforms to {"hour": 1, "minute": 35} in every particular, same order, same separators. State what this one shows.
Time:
{"hour": 9, "minute": 42}
